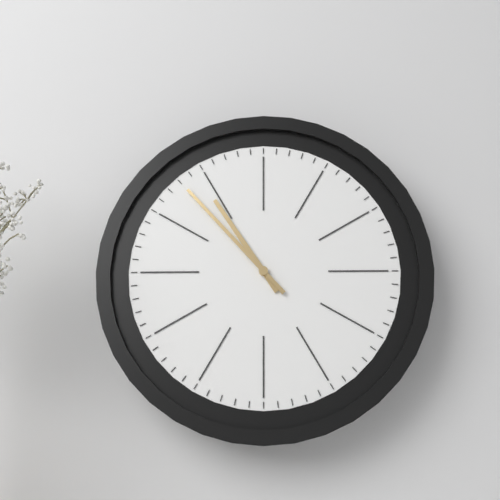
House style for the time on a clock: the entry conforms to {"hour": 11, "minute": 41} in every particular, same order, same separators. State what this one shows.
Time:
{"hour": 10, "minute": 53}
